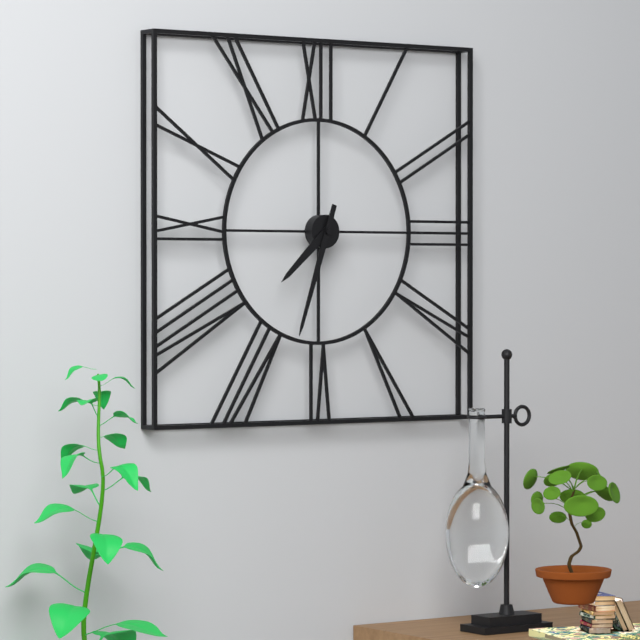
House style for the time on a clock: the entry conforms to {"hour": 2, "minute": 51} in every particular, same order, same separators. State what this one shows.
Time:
{"hour": 7, "minute": 33}
